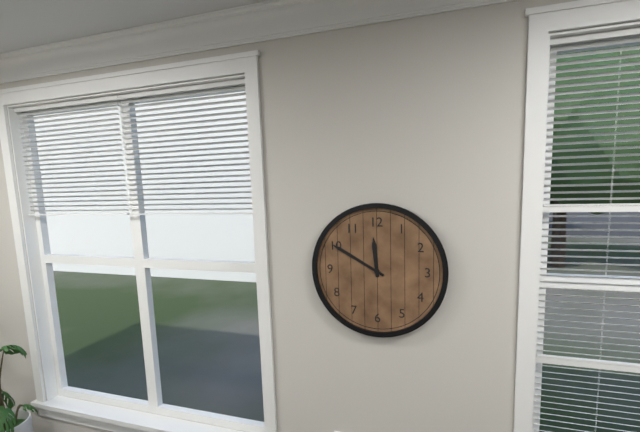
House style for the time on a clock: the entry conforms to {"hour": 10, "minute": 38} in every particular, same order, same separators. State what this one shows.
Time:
{"hour": 11, "minute": 50}
